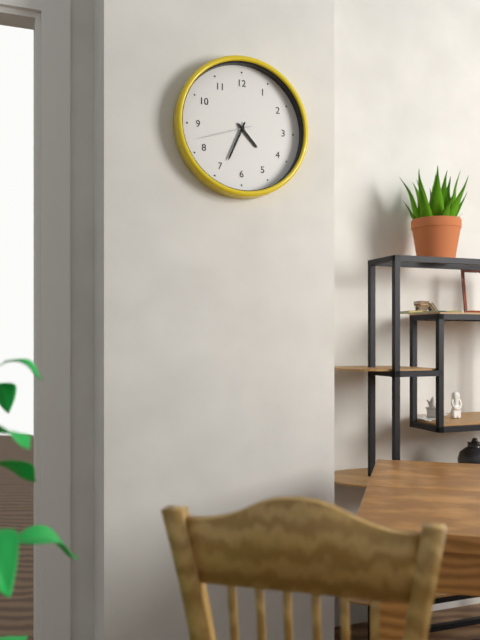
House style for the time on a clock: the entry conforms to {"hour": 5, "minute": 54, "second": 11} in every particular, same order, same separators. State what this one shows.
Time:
{"hour": 4, "minute": 34, "second": 42}
